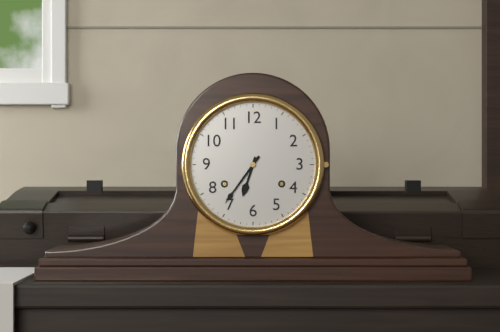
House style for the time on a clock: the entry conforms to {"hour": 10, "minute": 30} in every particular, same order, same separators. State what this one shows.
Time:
{"hour": 6, "minute": 36}
